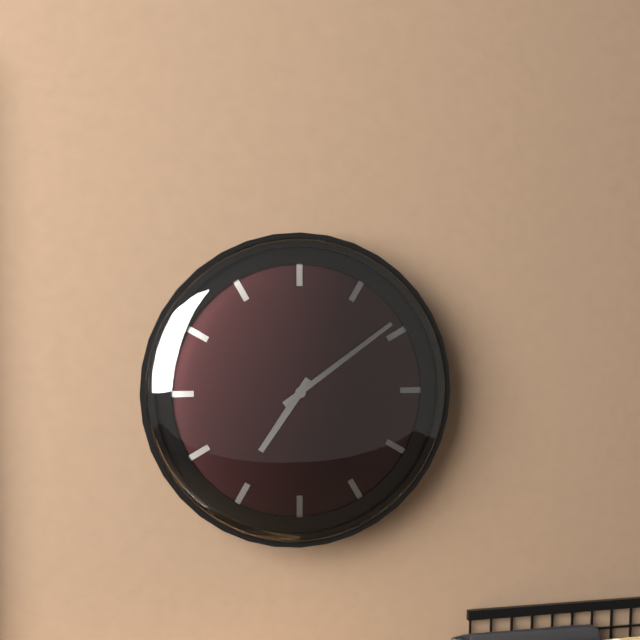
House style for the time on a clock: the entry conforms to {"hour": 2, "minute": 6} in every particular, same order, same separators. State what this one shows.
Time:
{"hour": 7, "minute": 9}
